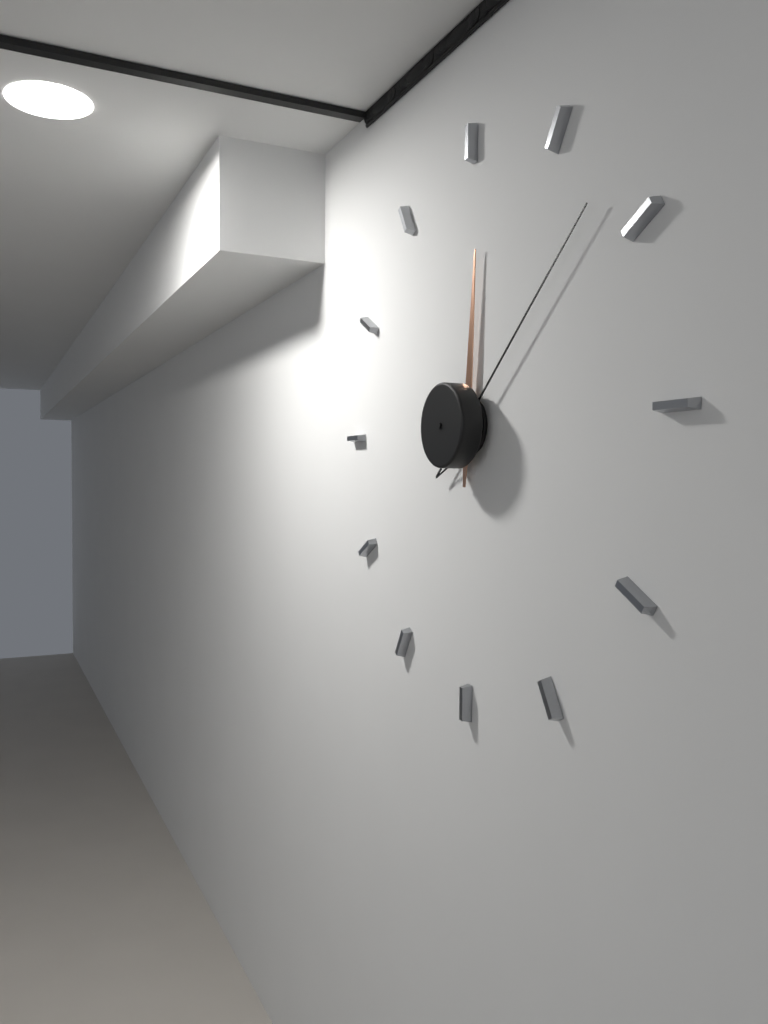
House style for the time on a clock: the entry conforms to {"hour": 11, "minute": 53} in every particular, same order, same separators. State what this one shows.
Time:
{"hour": 12, "minute": 8}
